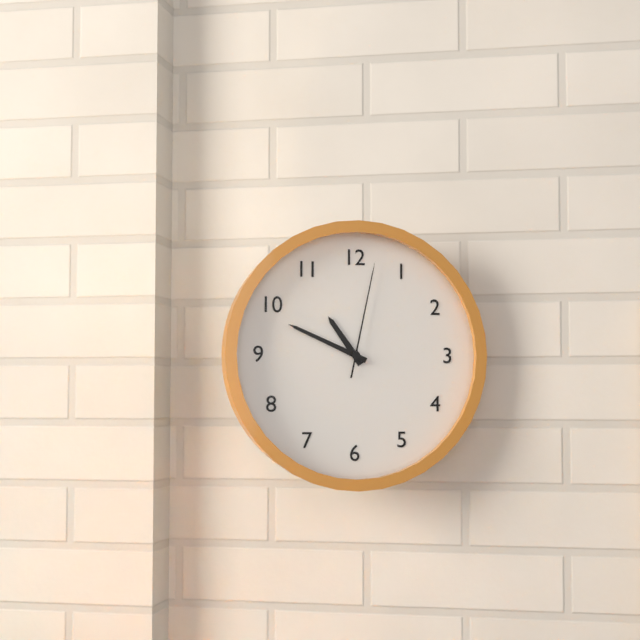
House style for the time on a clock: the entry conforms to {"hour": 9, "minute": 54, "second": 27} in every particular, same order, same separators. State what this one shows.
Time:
{"hour": 10, "minute": 49, "second": 2}
